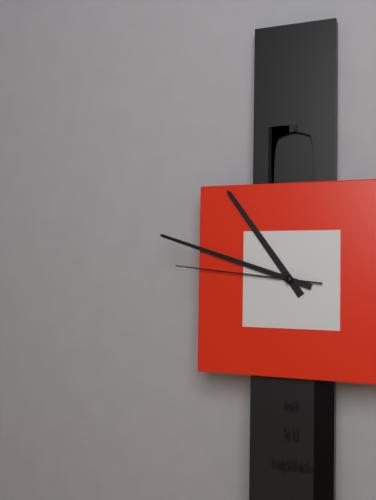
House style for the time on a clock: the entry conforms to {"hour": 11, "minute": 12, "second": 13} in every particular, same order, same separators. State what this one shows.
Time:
{"hour": 10, "minute": 48, "second": 46}
